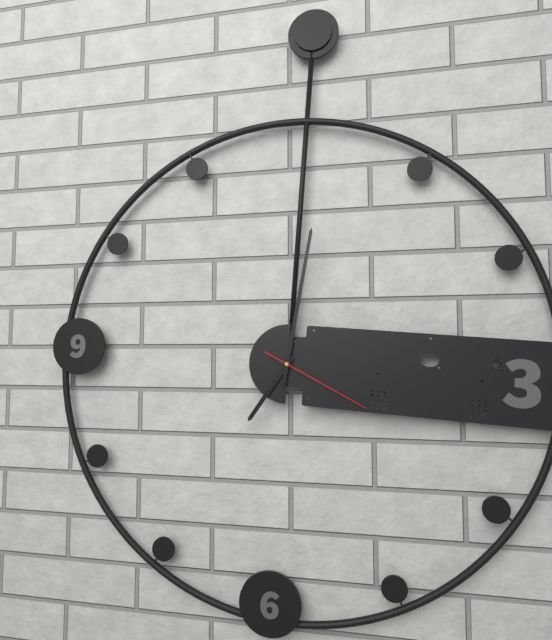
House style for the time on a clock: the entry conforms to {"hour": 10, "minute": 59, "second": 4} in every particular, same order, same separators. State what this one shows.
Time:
{"hour": 7, "minute": 1, "second": 19}
